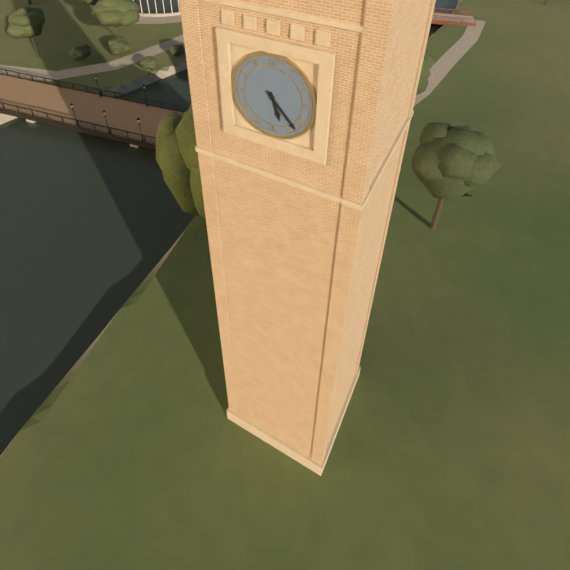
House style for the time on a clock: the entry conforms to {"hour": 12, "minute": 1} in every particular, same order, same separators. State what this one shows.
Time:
{"hour": 5, "minute": 23}
